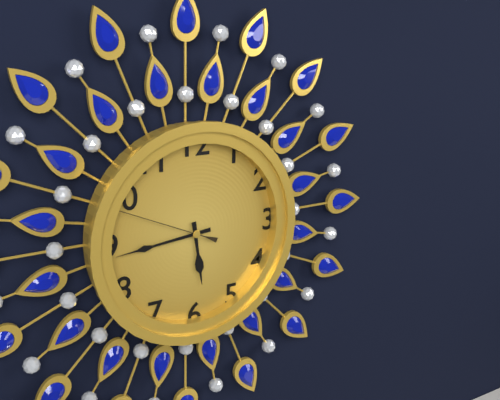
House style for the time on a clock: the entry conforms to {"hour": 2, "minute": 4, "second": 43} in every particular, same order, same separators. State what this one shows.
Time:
{"hour": 5, "minute": 44, "second": 49}
